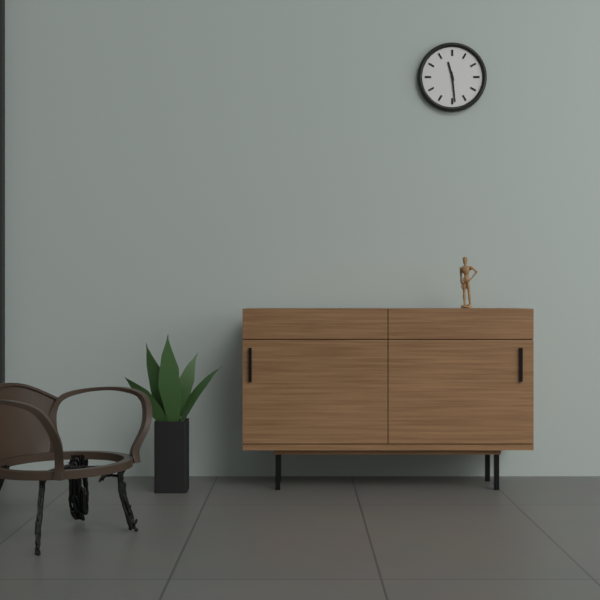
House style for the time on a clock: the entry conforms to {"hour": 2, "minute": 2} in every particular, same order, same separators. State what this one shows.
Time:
{"hour": 11, "minute": 29}
